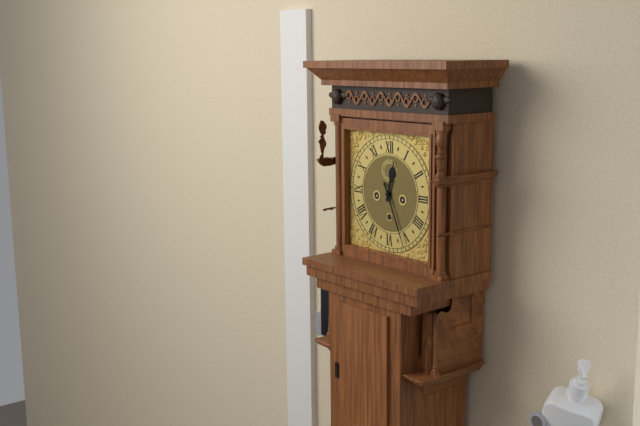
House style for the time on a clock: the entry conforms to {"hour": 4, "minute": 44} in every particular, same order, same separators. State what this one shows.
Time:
{"hour": 12, "minute": 26}
